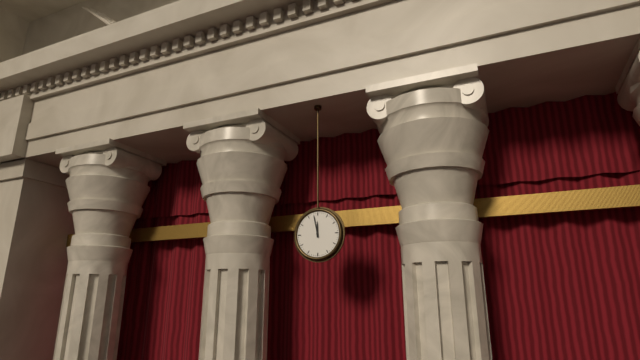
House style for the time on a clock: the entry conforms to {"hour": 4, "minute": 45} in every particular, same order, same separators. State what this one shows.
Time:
{"hour": 11, "minute": 58}
